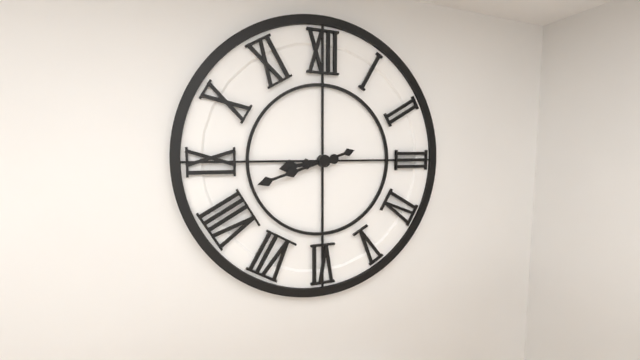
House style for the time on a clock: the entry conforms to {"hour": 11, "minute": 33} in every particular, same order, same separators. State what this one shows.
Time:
{"hour": 8, "minute": 42}
